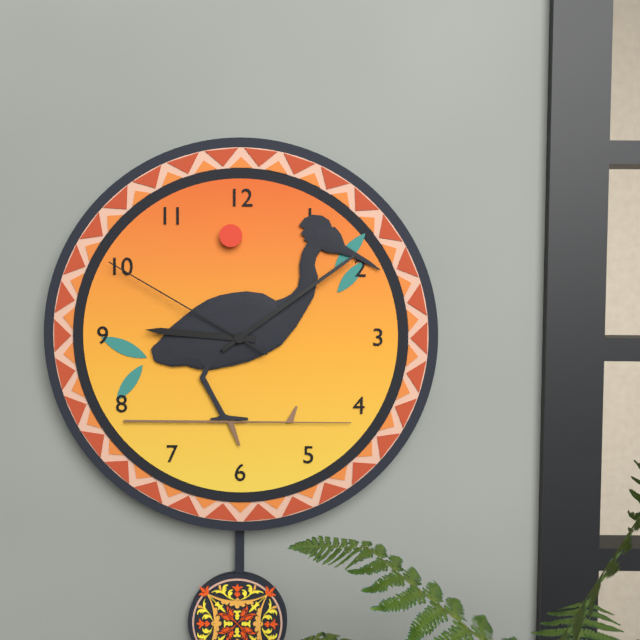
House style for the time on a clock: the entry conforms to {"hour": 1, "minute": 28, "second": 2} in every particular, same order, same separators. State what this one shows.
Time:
{"hour": 9, "minute": 9, "second": 50}
